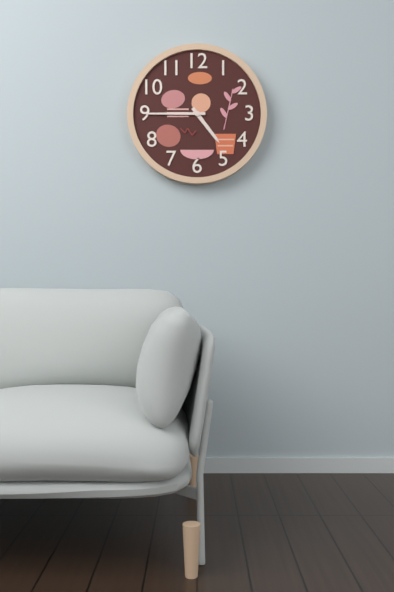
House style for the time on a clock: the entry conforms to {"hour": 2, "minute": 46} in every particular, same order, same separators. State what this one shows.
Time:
{"hour": 4, "minute": 45}
